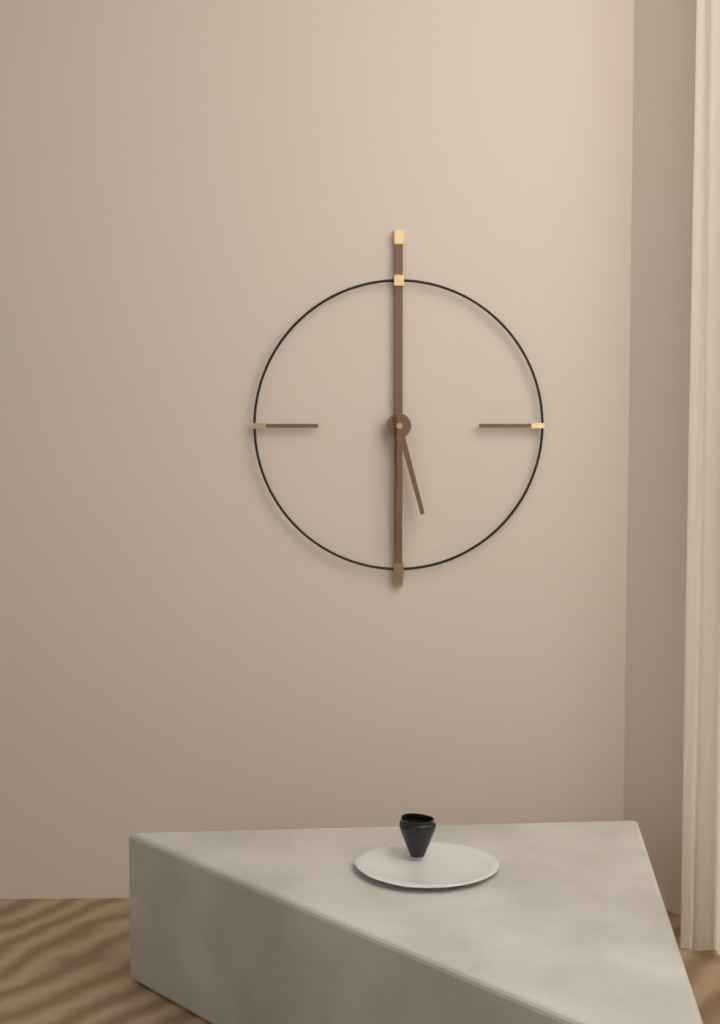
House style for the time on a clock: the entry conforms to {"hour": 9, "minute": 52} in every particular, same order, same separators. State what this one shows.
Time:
{"hour": 5, "minute": 30}
